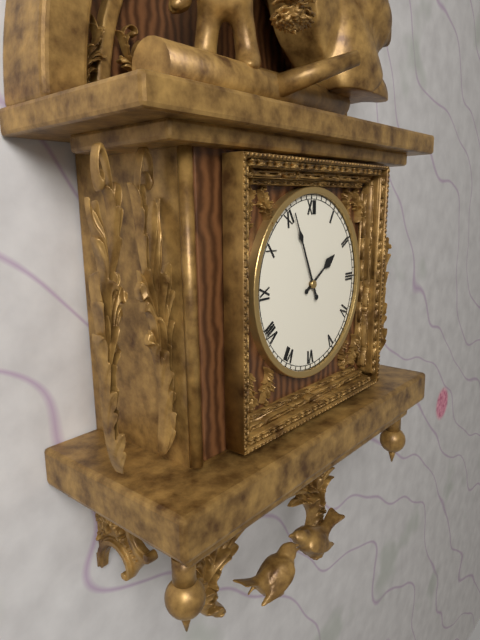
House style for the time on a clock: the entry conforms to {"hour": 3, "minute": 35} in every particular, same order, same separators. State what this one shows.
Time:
{"hour": 1, "minute": 56}
